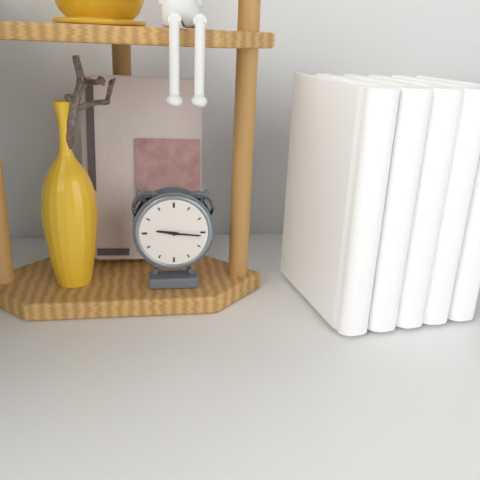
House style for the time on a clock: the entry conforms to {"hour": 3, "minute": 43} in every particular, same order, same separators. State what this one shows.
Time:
{"hour": 9, "minute": 16}
